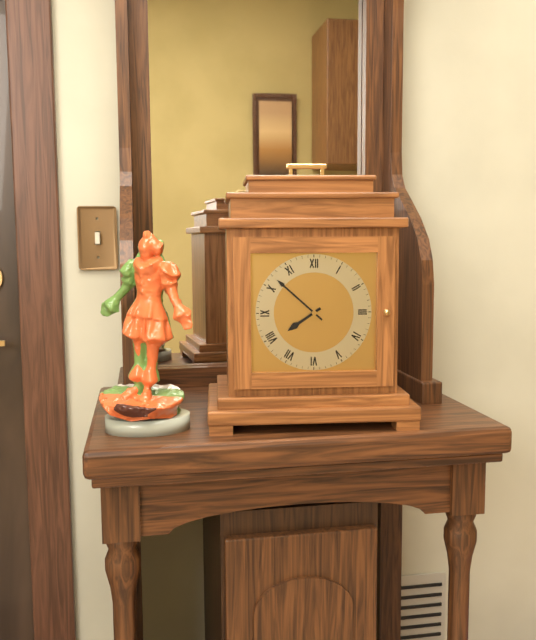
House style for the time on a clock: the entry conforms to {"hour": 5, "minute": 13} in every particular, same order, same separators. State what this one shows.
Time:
{"hour": 7, "minute": 52}
